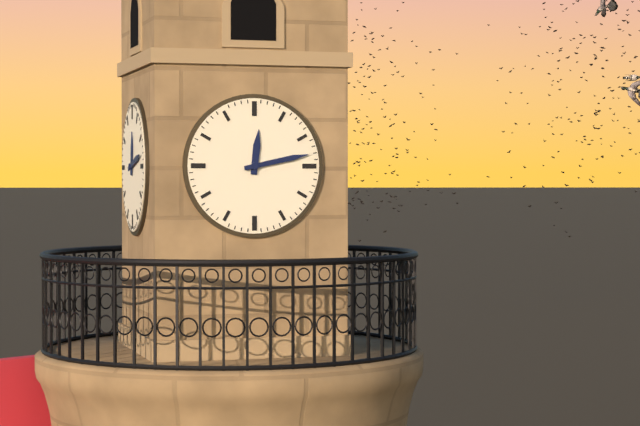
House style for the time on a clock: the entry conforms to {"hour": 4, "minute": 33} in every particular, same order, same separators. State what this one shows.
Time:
{"hour": 12, "minute": 13}
